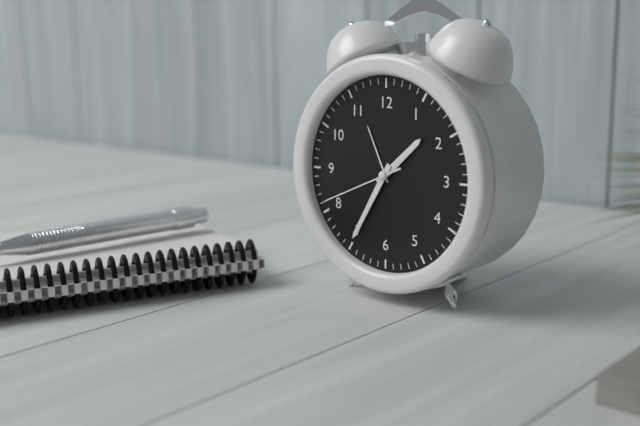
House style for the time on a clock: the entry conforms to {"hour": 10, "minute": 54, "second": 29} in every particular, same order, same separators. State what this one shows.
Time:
{"hour": 1, "minute": 35, "second": 41}
